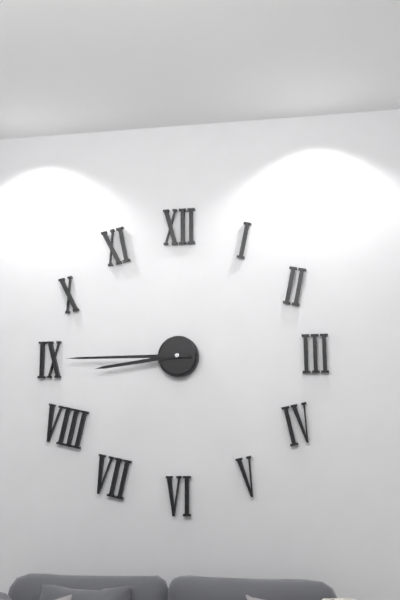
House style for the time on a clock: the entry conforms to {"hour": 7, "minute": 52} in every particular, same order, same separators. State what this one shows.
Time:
{"hour": 8, "minute": 45}
